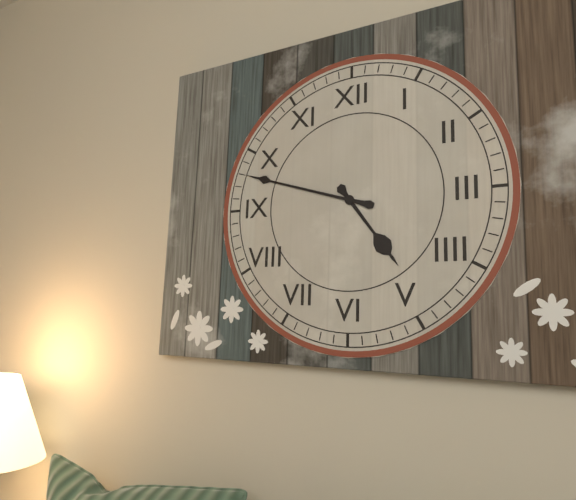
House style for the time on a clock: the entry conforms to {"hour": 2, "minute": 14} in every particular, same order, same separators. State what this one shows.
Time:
{"hour": 4, "minute": 48}
